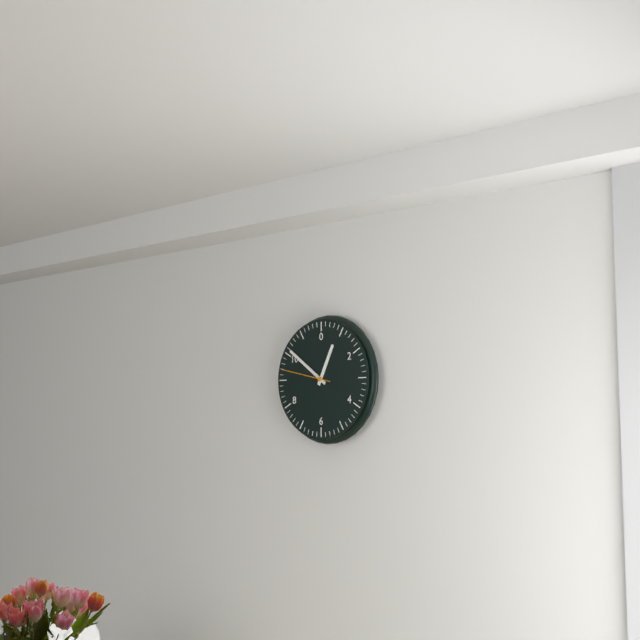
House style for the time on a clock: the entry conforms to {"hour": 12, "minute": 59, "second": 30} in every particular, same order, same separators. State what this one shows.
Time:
{"hour": 12, "minute": 51, "second": 47}
